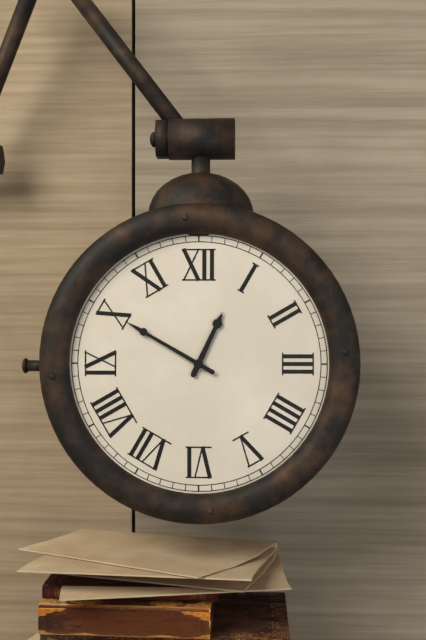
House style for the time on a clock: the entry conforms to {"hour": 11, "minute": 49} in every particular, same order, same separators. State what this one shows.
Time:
{"hour": 12, "minute": 50}
